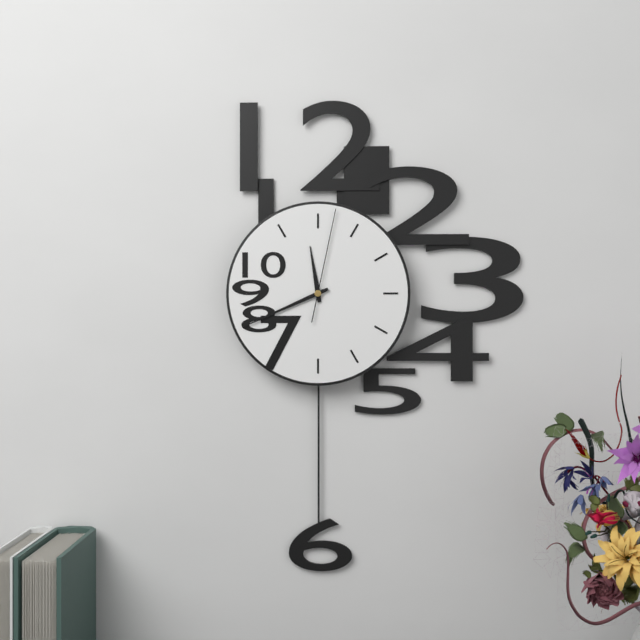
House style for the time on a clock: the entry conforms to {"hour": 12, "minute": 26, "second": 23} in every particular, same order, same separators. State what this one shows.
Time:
{"hour": 11, "minute": 41, "second": 2}
